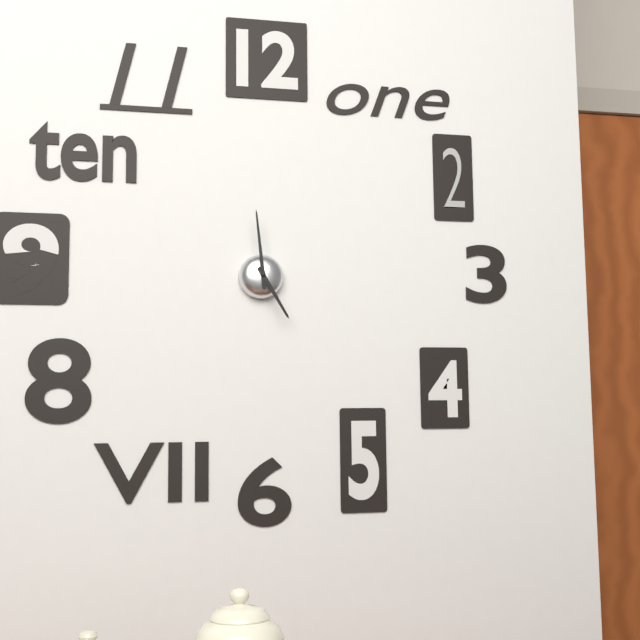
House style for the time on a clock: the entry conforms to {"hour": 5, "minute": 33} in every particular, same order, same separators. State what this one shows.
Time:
{"hour": 4, "minute": 59}
